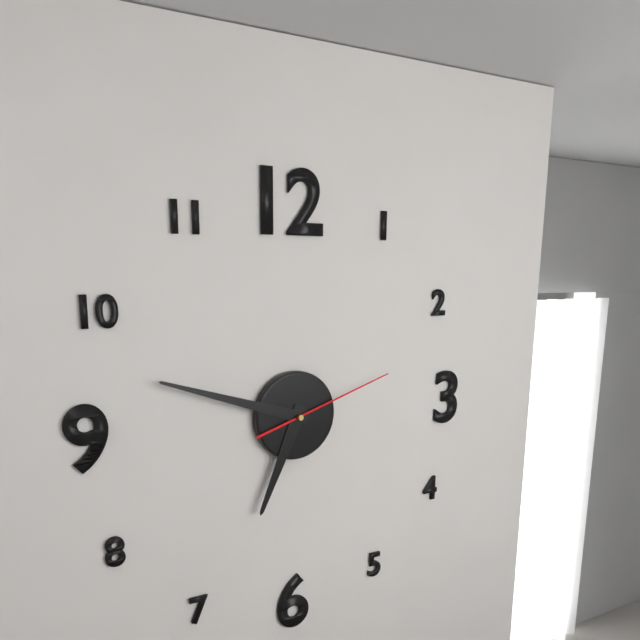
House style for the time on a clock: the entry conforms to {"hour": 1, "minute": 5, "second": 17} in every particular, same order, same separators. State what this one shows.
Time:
{"hour": 6, "minute": 48, "second": 12}
